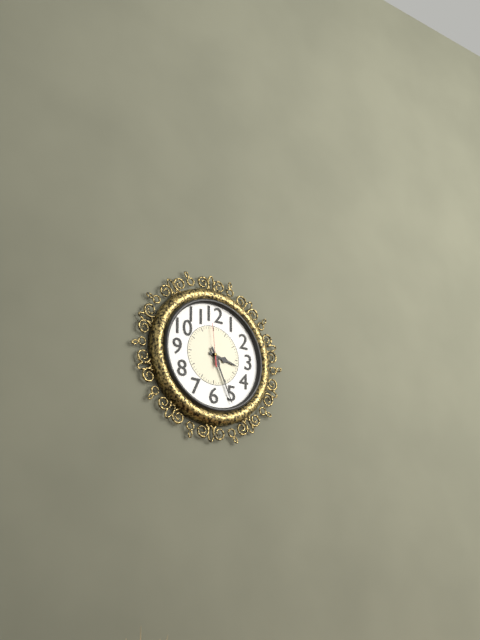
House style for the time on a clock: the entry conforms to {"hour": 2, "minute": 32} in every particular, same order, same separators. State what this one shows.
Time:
{"hour": 3, "minute": 26}
